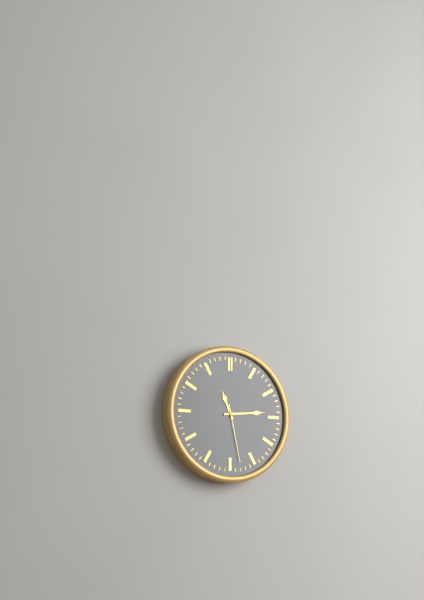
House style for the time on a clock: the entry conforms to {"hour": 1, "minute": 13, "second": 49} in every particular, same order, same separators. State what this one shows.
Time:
{"hour": 11, "minute": 14, "second": 28}
